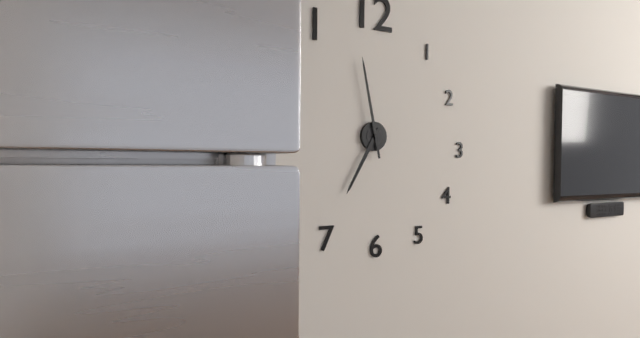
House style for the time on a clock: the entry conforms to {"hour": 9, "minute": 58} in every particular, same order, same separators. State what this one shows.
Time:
{"hour": 6, "minute": 58}
